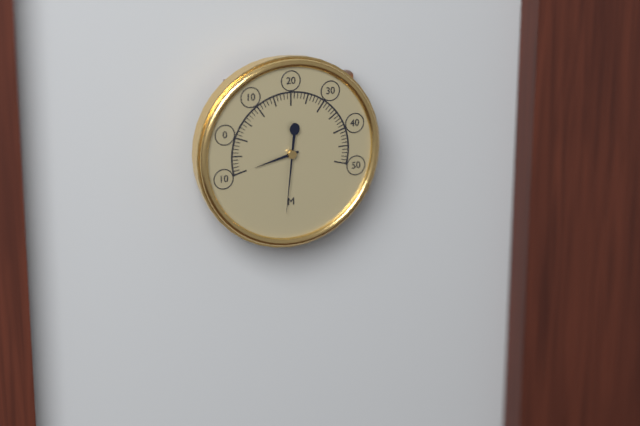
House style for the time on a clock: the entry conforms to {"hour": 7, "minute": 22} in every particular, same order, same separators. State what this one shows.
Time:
{"hour": 8, "minute": 31}
